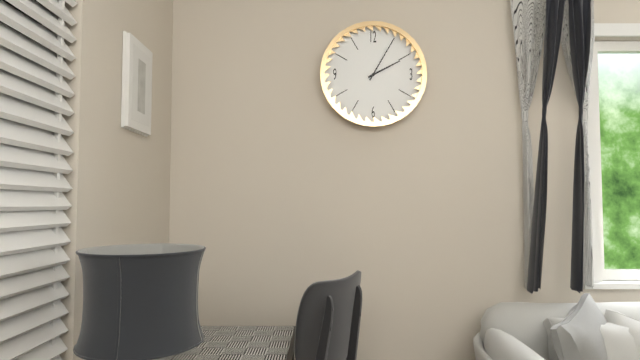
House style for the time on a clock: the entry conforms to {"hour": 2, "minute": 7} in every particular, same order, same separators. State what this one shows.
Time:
{"hour": 2, "minute": 5}
